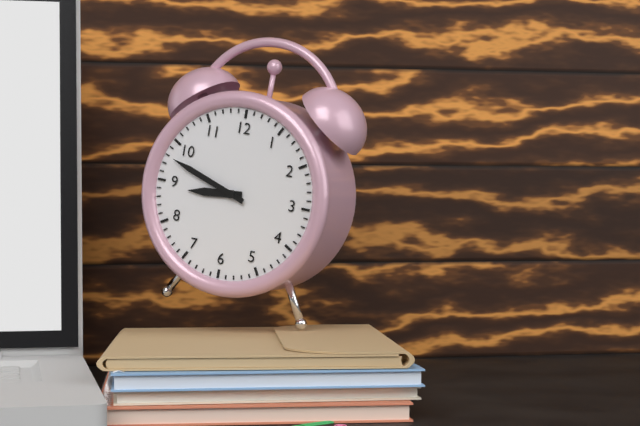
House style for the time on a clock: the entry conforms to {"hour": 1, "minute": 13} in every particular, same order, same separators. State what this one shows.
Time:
{"hour": 8, "minute": 48}
